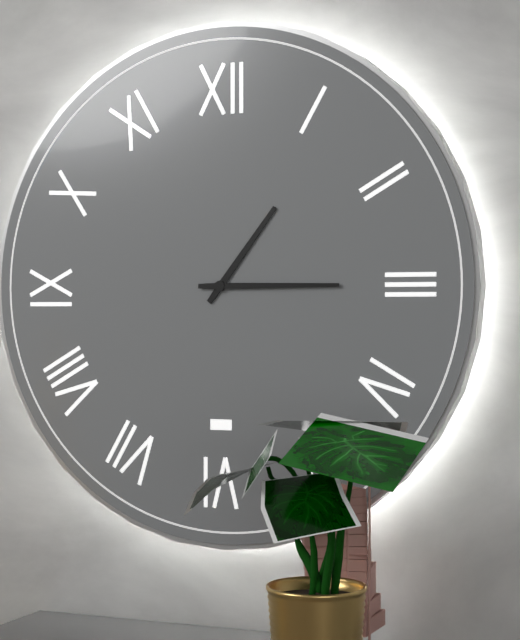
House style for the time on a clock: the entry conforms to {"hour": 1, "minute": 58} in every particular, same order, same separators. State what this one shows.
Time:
{"hour": 1, "minute": 15}
